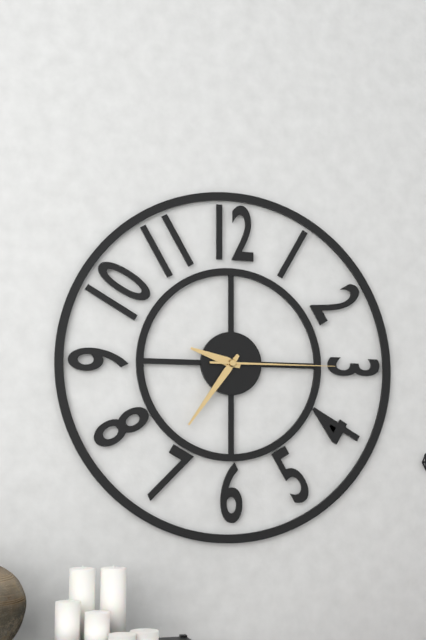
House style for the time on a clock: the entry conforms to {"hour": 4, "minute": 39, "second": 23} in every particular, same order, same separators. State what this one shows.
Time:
{"hour": 9, "minute": 36, "second": 15}
